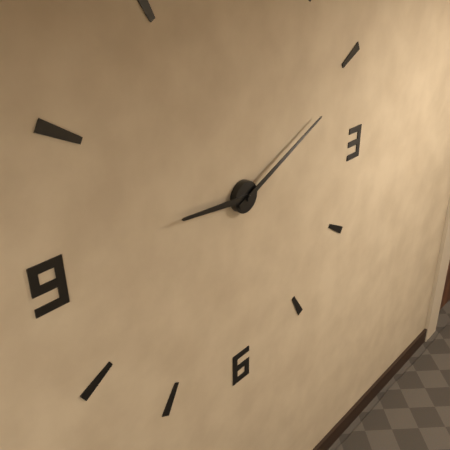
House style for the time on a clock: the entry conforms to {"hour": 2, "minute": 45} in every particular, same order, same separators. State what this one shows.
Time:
{"hour": 9, "minute": 11}
